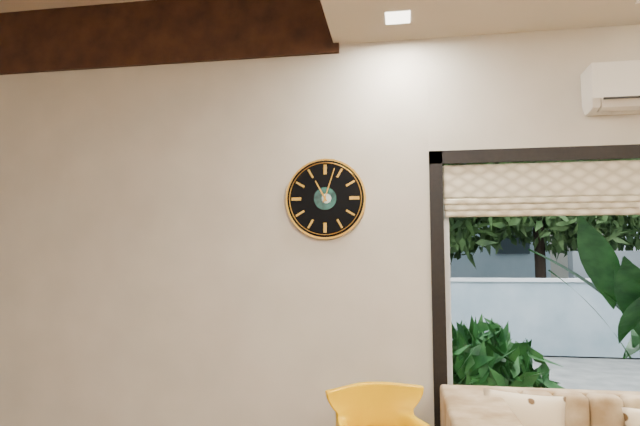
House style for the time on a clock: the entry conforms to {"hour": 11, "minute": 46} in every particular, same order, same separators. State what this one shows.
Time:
{"hour": 11, "minute": 3}
